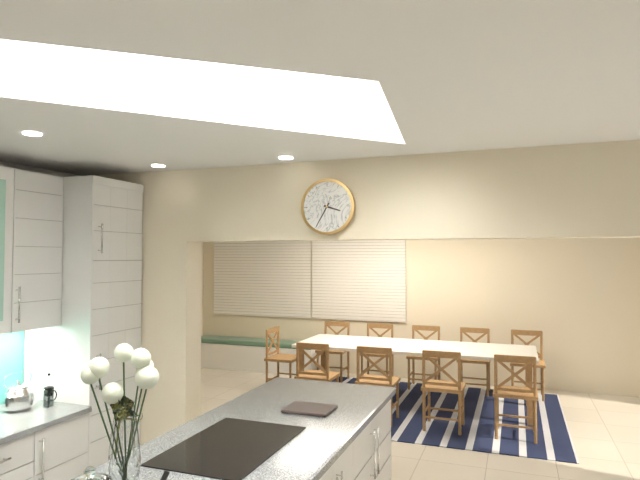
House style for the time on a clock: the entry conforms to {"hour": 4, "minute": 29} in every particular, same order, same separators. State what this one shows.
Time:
{"hour": 3, "minute": 35}
